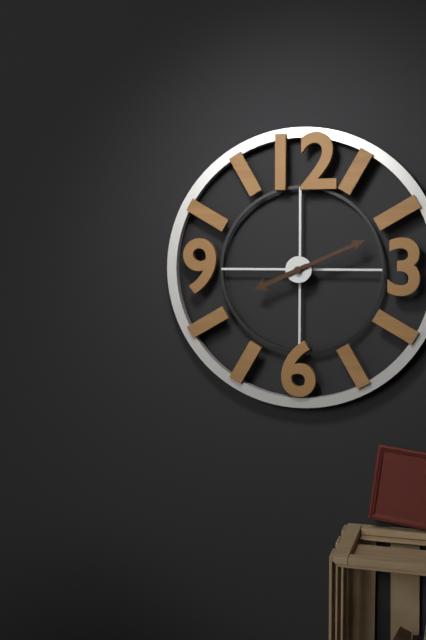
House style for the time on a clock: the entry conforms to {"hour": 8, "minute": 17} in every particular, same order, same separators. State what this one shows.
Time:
{"hour": 8, "minute": 11}
